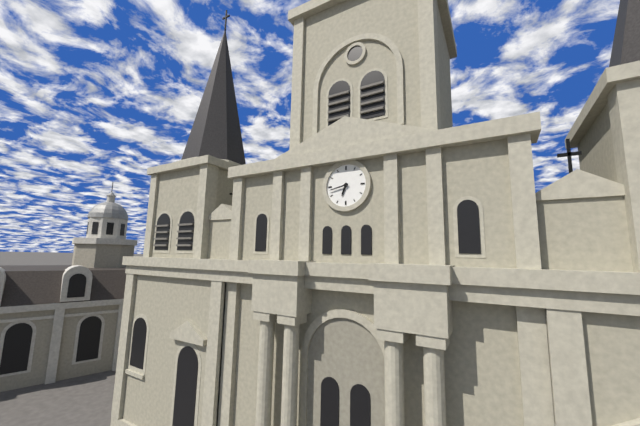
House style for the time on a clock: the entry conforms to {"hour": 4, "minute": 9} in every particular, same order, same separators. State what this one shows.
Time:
{"hour": 6, "minute": 43}
